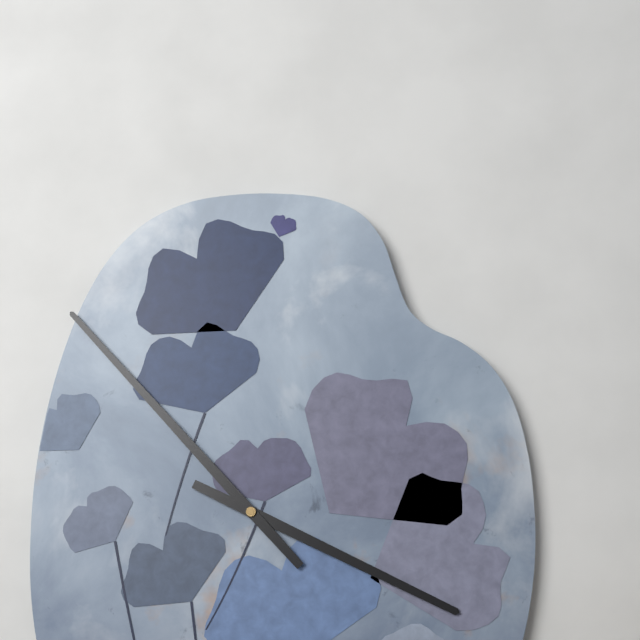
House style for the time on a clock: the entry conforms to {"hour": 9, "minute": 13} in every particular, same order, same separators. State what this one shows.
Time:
{"hour": 3, "minute": 53}
